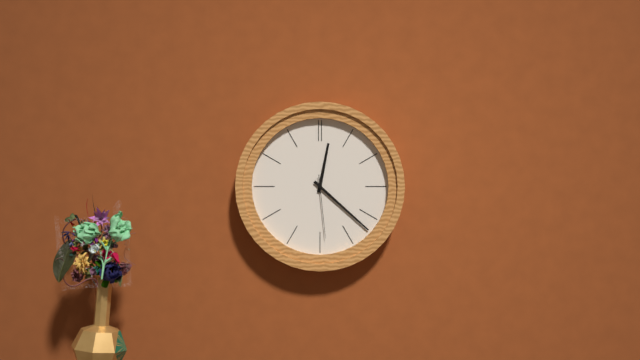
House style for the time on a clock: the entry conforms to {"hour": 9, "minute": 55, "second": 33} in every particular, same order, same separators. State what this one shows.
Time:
{"hour": 12, "minute": 22, "second": 29}
